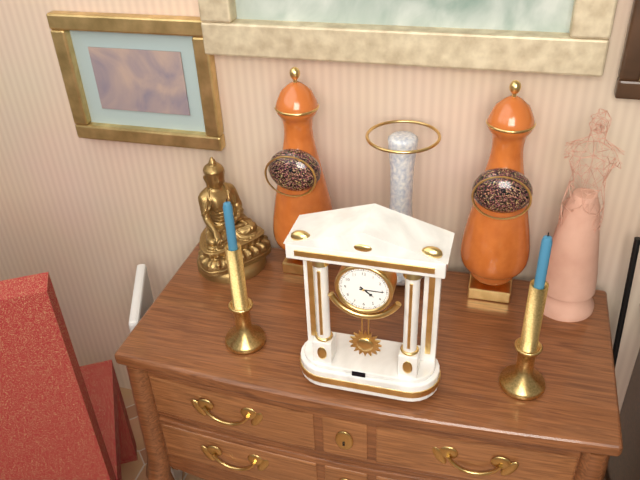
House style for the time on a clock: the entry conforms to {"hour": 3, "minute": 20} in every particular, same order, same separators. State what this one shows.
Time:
{"hour": 4, "minute": 15}
